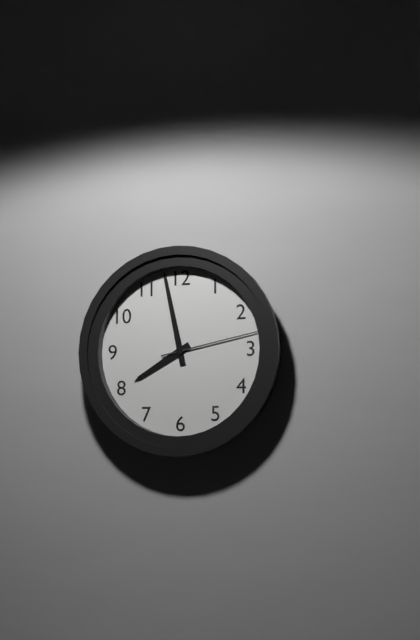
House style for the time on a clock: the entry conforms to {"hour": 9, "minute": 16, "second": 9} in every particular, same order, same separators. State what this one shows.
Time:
{"hour": 7, "minute": 58, "second": 13}
